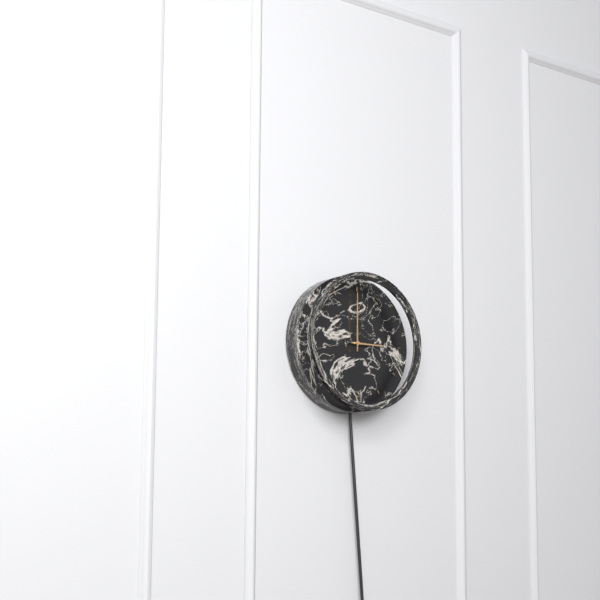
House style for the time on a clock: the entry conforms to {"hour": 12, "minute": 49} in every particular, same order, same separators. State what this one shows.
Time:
{"hour": 3, "minute": 0}
